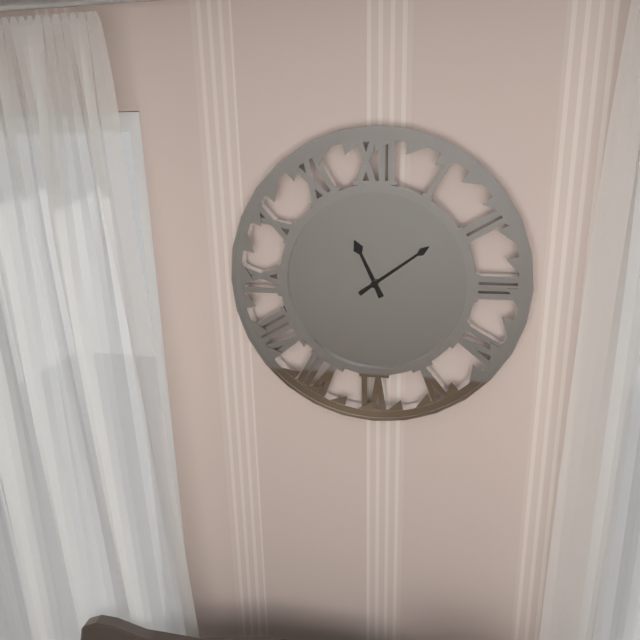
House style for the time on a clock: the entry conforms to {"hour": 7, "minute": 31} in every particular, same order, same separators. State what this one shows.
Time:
{"hour": 11, "minute": 9}
